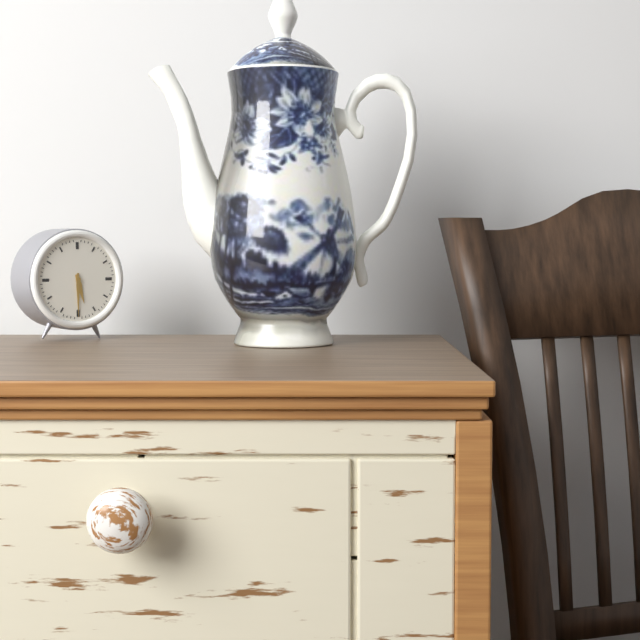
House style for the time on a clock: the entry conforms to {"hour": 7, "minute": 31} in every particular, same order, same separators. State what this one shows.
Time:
{"hour": 5, "minute": 30}
